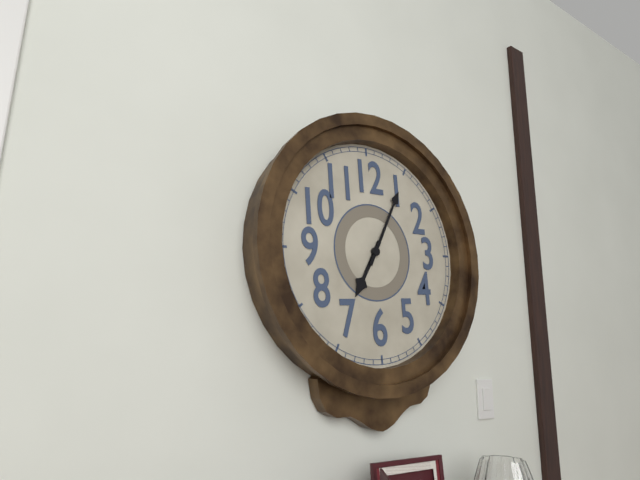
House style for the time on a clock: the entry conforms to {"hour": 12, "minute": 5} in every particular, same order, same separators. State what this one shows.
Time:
{"hour": 7, "minute": 5}
